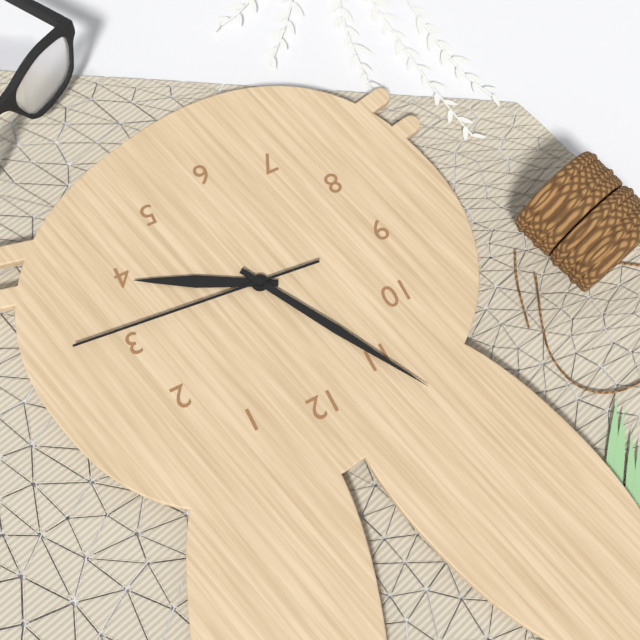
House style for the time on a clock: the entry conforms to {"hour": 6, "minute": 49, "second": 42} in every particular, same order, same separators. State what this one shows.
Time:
{"hour": 3, "minute": 55, "second": 16}
